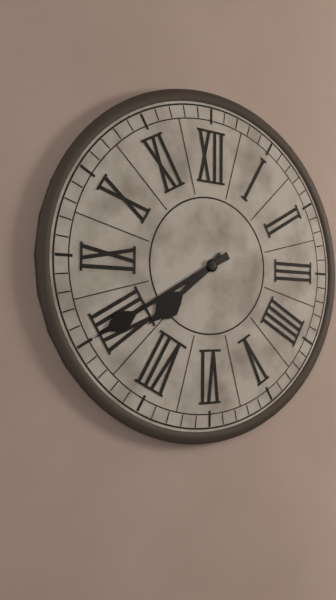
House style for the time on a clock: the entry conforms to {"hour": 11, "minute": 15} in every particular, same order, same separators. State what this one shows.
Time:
{"hour": 7, "minute": 40}
